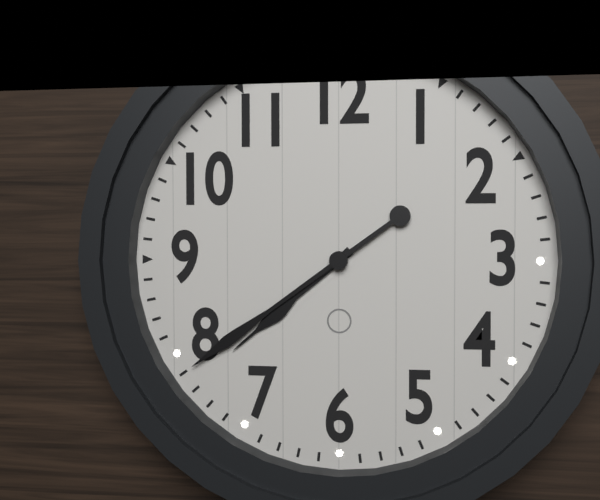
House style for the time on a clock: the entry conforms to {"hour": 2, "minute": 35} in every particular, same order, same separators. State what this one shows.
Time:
{"hour": 7, "minute": 39}
